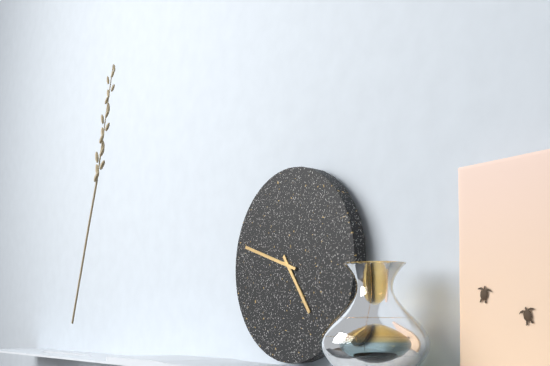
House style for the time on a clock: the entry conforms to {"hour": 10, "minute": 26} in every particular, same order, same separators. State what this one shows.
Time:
{"hour": 4, "minute": 48}
